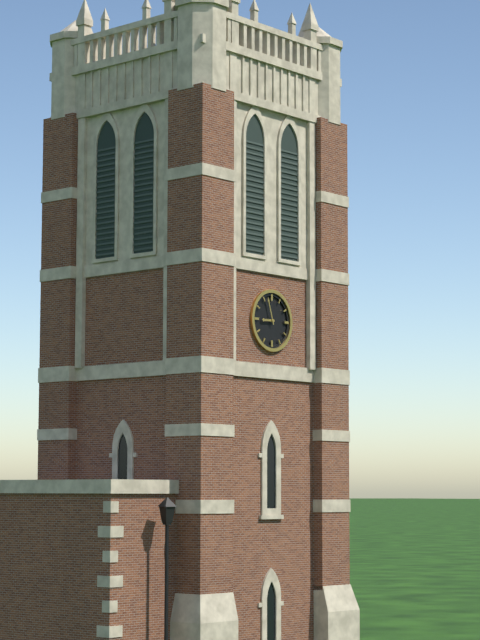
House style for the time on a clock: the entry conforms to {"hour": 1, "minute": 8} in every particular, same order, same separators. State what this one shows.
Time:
{"hour": 8, "minute": 57}
